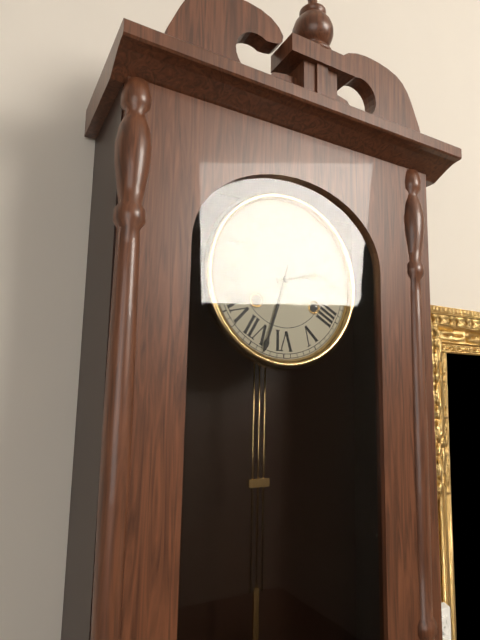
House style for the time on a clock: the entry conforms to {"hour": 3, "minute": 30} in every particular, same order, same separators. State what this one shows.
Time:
{"hour": 2, "minute": 33}
